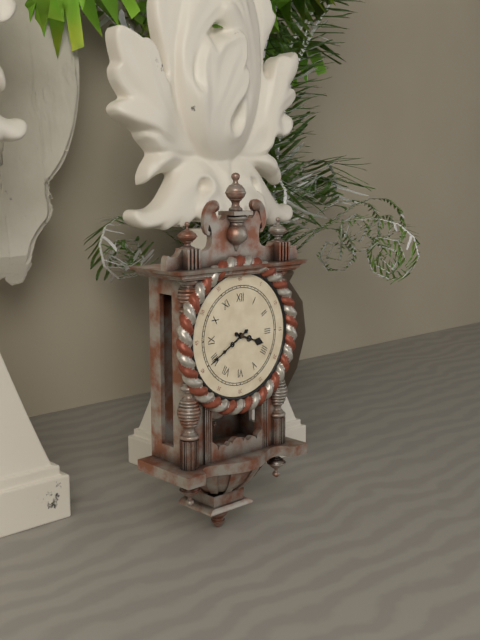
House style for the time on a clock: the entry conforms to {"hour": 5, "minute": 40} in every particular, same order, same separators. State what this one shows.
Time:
{"hour": 3, "minute": 40}
